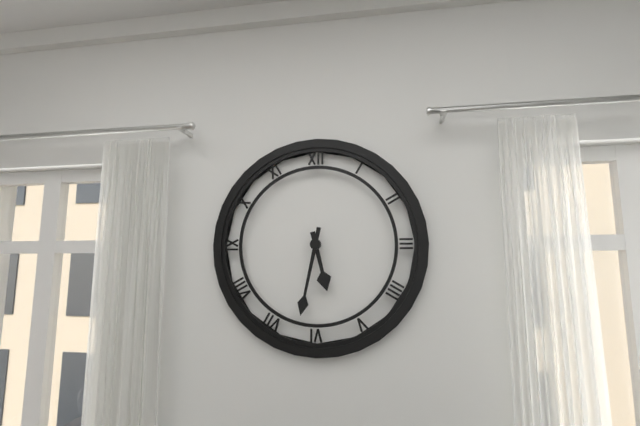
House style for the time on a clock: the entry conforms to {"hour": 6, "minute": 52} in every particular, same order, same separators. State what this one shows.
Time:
{"hour": 5, "minute": 32}
